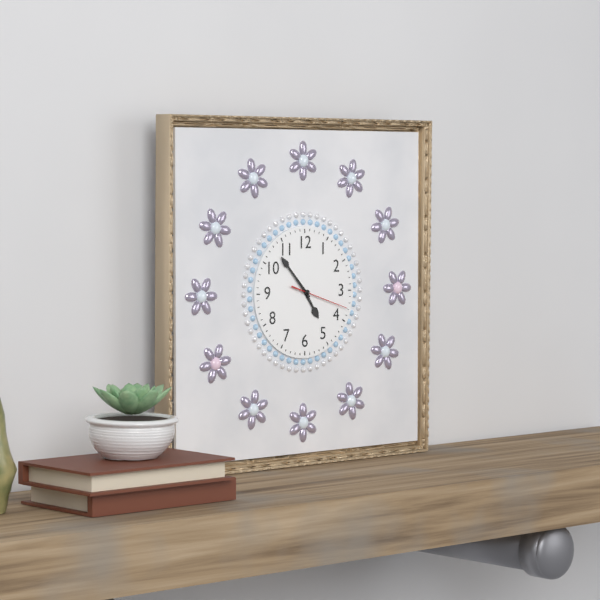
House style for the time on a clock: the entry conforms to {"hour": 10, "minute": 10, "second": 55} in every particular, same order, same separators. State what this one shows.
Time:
{"hour": 4, "minute": 53, "second": 18}
